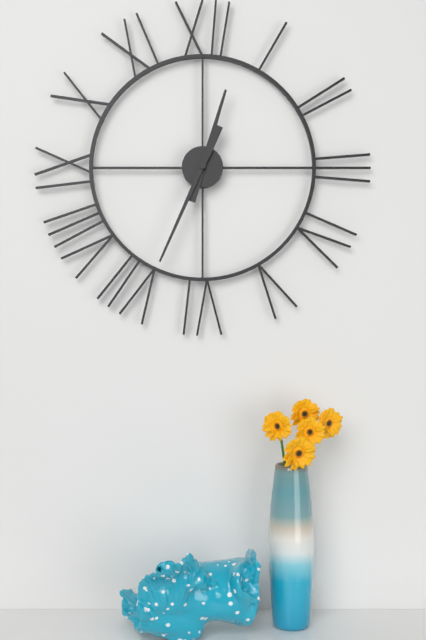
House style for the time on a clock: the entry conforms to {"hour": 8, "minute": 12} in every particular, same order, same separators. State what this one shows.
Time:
{"hour": 12, "minute": 34}
